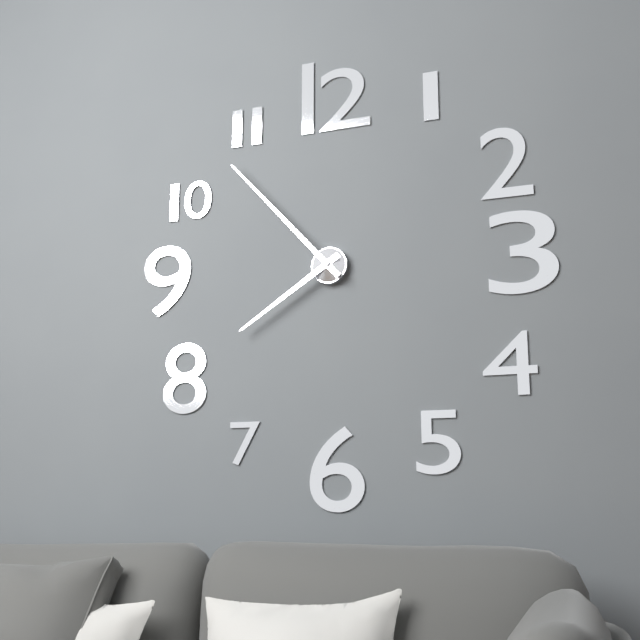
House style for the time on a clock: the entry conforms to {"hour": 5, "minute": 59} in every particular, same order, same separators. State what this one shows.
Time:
{"hour": 7, "minute": 53}
